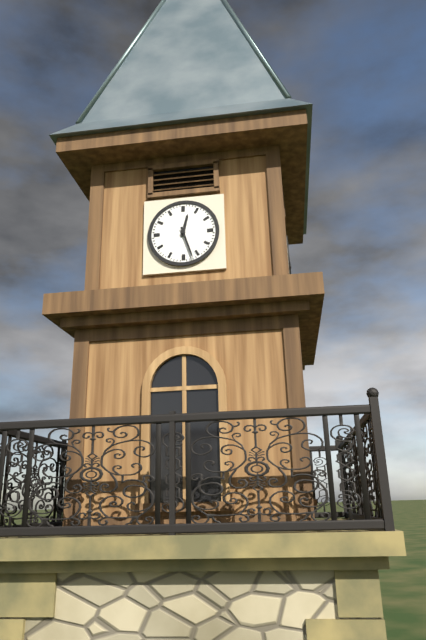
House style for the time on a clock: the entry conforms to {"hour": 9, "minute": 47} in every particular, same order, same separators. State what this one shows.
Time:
{"hour": 12, "minute": 27}
